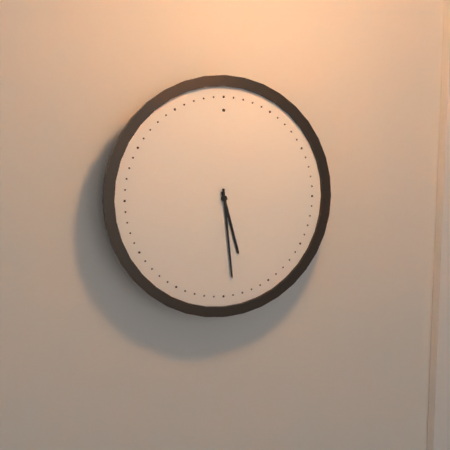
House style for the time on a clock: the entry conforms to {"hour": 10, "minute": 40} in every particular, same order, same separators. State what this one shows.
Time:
{"hour": 5, "minute": 29}
